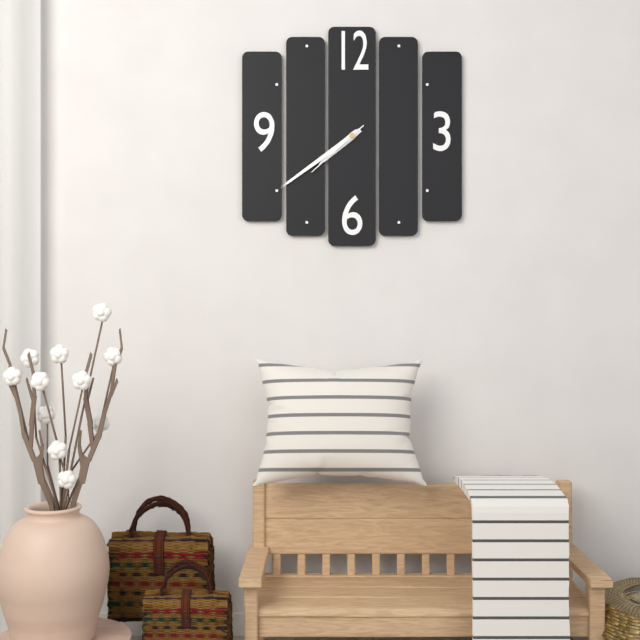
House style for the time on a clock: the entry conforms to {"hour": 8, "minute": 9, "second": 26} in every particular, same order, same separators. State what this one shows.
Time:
{"hour": 7, "minute": 39, "second": 38}
